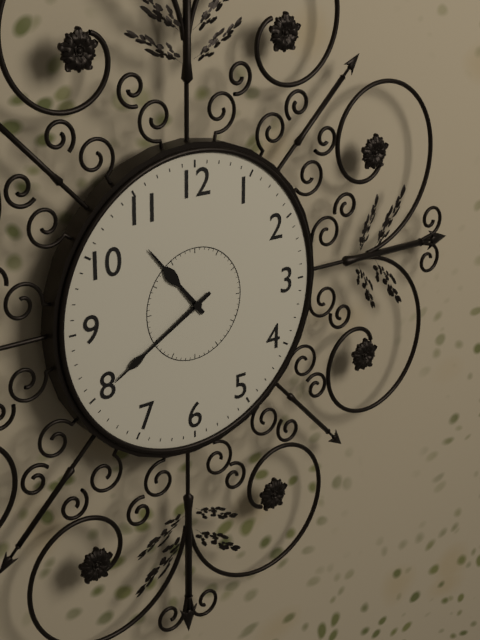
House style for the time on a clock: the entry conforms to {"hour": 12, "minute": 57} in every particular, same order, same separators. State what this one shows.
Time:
{"hour": 10, "minute": 40}
